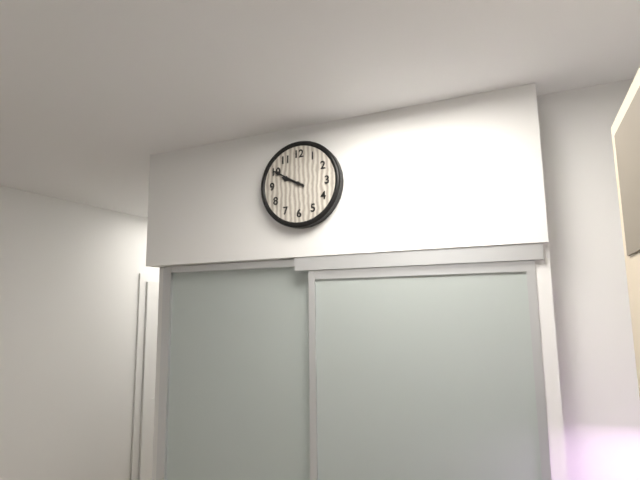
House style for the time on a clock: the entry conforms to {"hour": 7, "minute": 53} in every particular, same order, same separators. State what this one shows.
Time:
{"hour": 9, "minute": 50}
